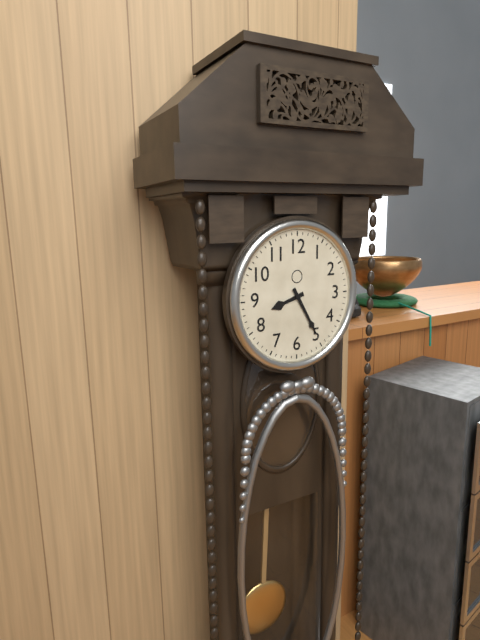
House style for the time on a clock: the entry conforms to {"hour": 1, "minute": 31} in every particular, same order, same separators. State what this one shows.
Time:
{"hour": 8, "minute": 25}
